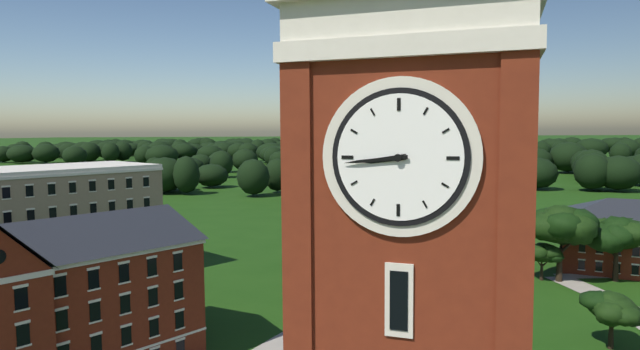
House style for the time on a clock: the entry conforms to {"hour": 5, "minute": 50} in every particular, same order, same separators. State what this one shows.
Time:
{"hour": 8, "minute": 44}
